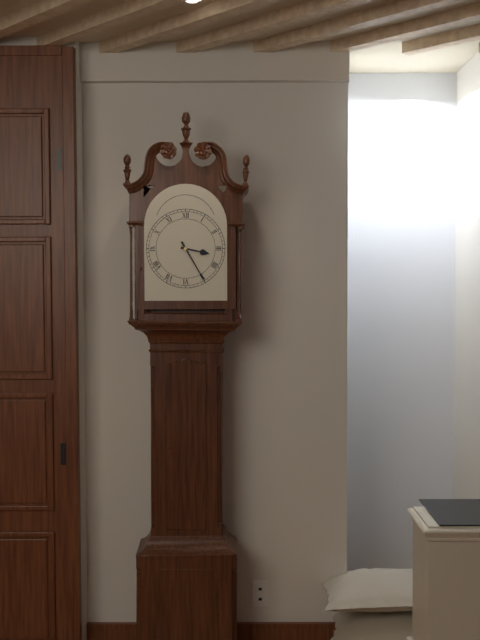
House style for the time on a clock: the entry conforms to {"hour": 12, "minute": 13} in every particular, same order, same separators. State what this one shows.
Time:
{"hour": 3, "minute": 25}
